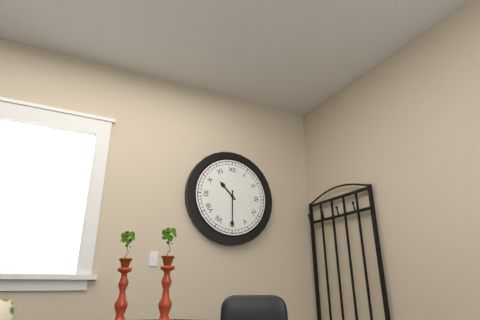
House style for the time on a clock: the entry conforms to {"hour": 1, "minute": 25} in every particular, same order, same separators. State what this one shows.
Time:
{"hour": 10, "minute": 30}
